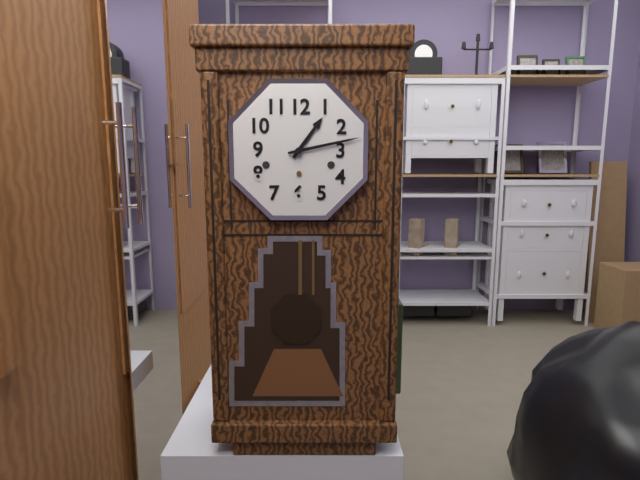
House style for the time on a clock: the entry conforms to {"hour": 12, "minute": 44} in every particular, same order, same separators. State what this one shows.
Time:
{"hour": 1, "minute": 13}
